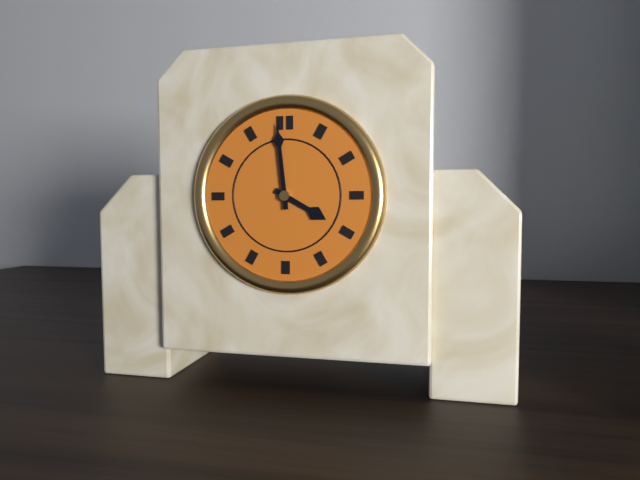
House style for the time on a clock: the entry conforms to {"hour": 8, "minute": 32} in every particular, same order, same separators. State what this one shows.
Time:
{"hour": 3, "minute": 59}
